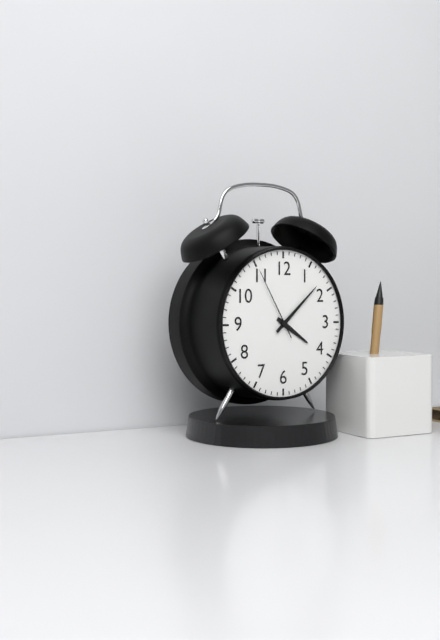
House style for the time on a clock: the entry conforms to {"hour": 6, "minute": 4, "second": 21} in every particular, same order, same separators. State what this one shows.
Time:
{"hour": 4, "minute": 8, "second": 55}
